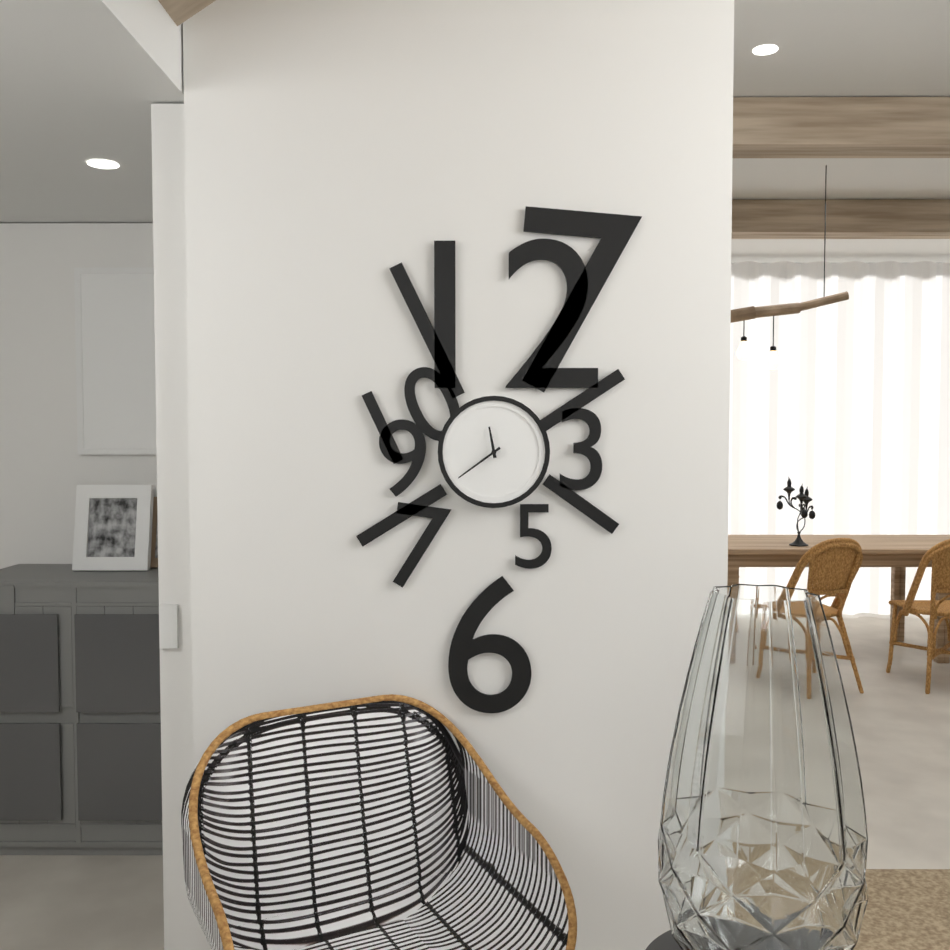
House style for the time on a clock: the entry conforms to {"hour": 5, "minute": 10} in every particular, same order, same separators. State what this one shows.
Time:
{"hour": 11, "minute": 39}
